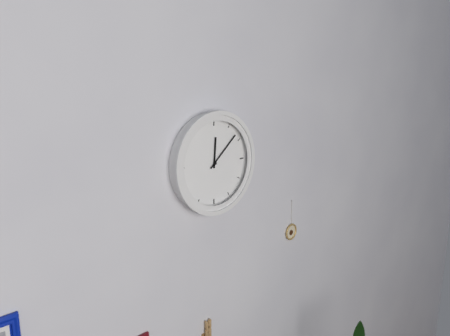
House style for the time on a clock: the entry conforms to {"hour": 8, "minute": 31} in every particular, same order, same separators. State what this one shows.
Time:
{"hour": 12, "minute": 8}
